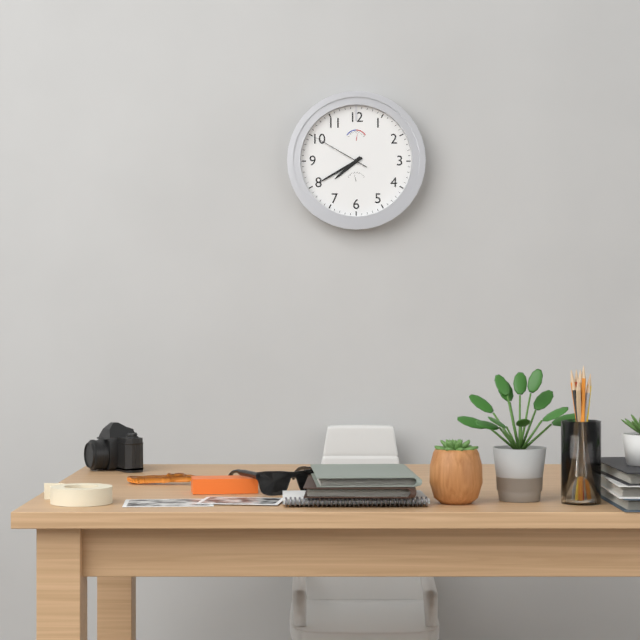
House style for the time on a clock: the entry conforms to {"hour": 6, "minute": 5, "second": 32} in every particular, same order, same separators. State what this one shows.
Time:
{"hour": 7, "minute": 40, "second": 50}
